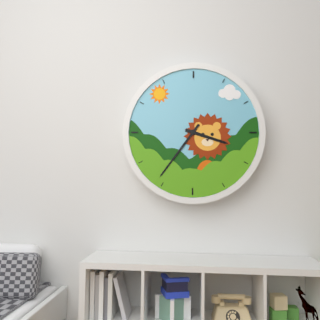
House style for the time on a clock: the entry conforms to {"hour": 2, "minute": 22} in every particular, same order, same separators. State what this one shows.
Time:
{"hour": 3, "minute": 36}
